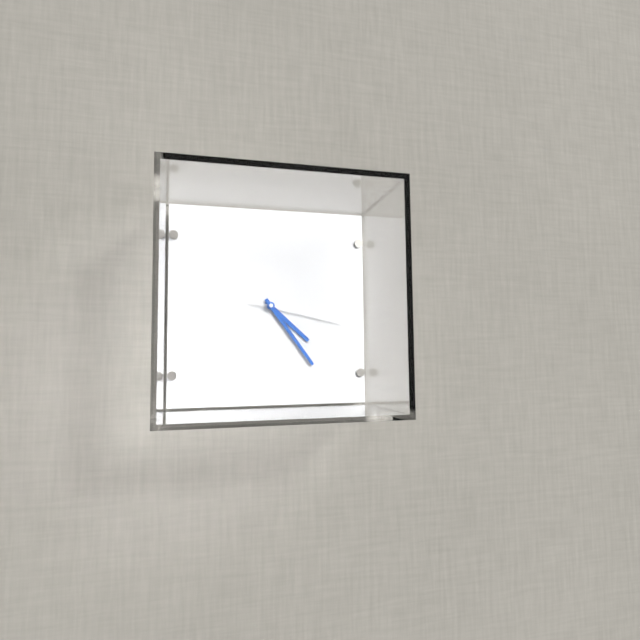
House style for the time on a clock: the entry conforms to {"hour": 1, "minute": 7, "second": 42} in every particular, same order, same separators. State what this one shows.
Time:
{"hour": 4, "minute": 24, "second": 17}
